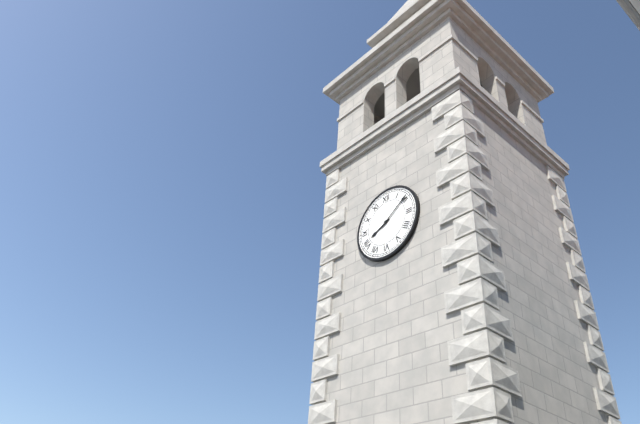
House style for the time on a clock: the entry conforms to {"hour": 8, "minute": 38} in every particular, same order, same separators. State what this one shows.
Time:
{"hour": 8, "minute": 9}
